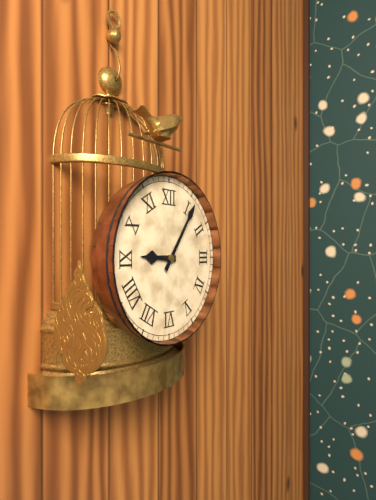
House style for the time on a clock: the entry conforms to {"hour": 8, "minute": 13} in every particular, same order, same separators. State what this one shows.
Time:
{"hour": 9, "minute": 6}
